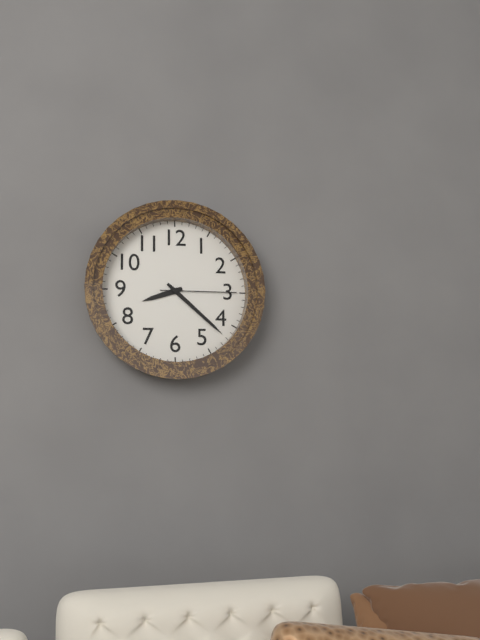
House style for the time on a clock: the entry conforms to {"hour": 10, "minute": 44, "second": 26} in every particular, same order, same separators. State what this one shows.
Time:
{"hour": 8, "minute": 22, "second": 15}
